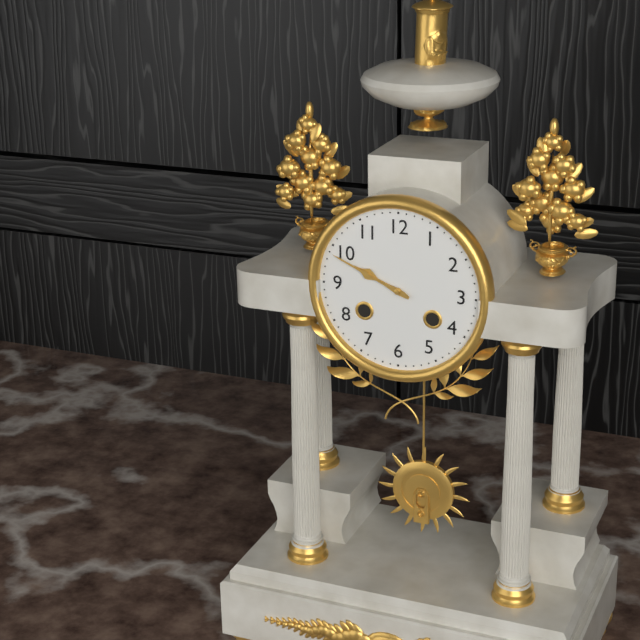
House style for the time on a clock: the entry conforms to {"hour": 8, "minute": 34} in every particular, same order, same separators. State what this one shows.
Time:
{"hour": 9, "minute": 49}
